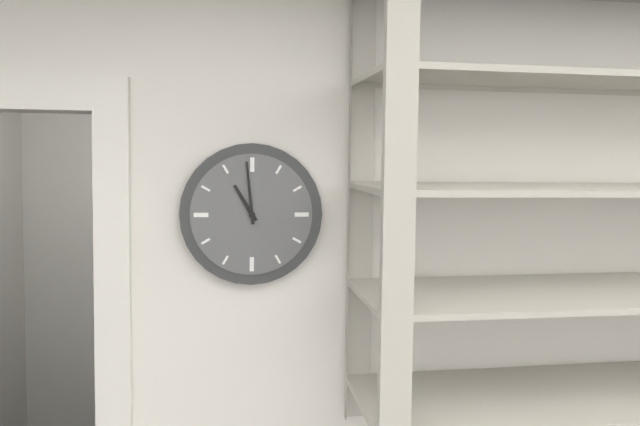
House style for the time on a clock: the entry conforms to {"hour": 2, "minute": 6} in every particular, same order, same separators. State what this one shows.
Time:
{"hour": 10, "minute": 59}
